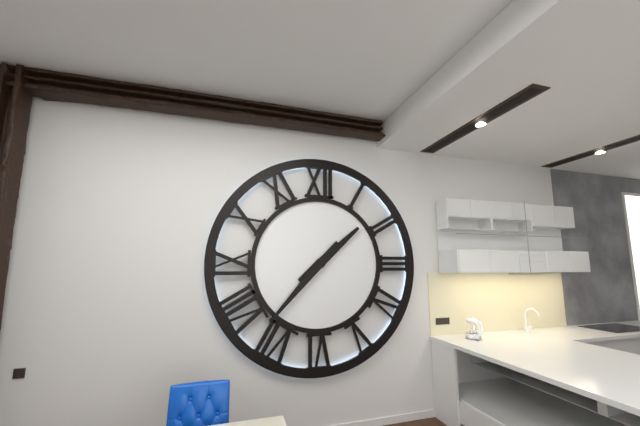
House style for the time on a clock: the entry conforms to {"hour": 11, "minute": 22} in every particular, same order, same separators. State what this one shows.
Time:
{"hour": 1, "minute": 37}
